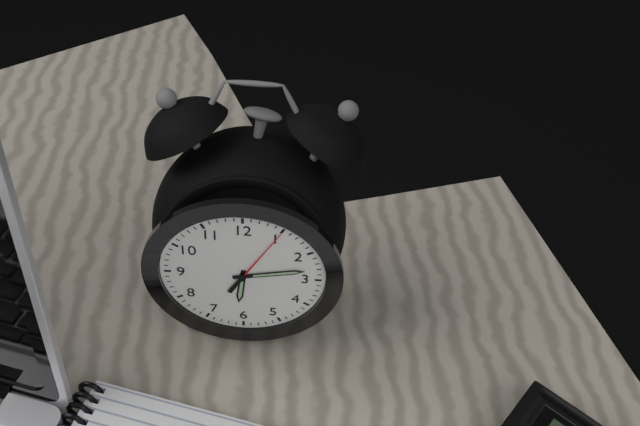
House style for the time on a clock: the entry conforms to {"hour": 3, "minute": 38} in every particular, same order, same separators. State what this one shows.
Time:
{"hour": 6, "minute": 13}
